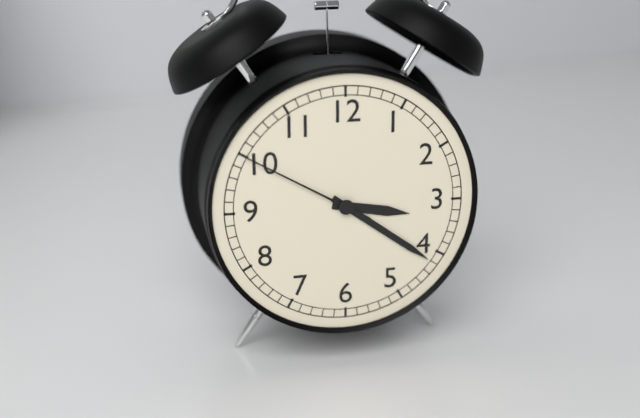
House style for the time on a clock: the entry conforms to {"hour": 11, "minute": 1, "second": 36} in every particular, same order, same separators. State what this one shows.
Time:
{"hour": 3, "minute": 21, "second": 50}
